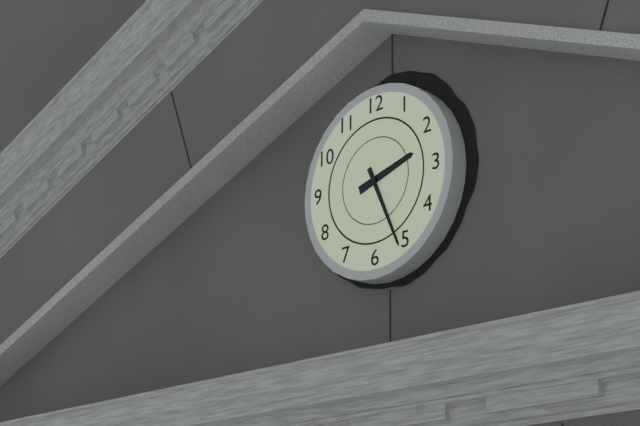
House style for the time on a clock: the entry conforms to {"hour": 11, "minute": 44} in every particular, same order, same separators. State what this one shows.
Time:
{"hour": 2, "minute": 26}
